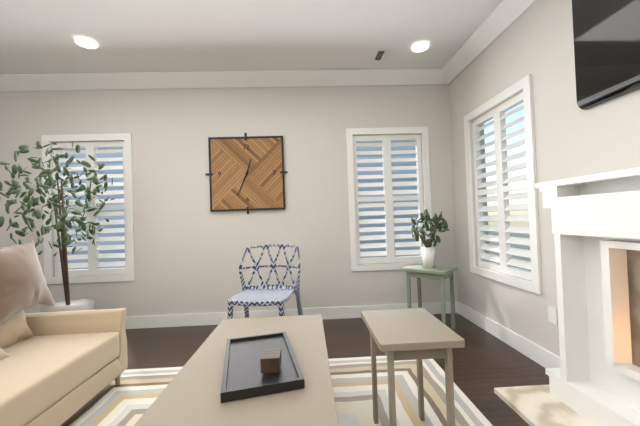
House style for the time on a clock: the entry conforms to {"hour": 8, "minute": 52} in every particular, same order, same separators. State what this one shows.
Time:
{"hour": 12, "minute": 34}
